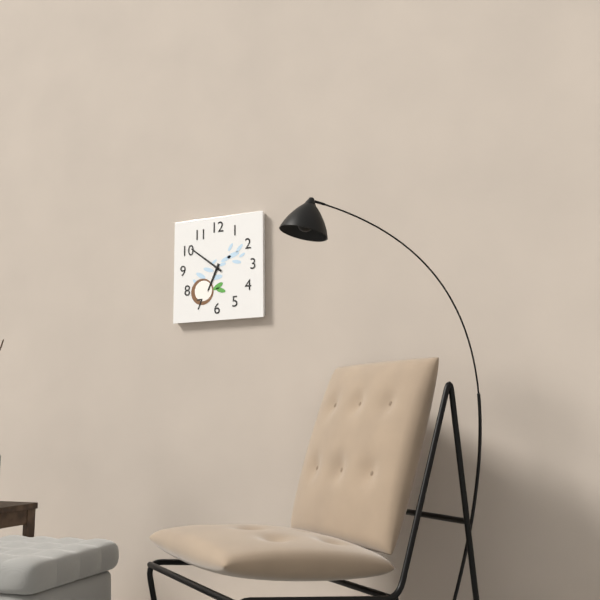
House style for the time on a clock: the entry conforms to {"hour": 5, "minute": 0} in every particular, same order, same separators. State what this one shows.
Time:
{"hour": 6, "minute": 51}
